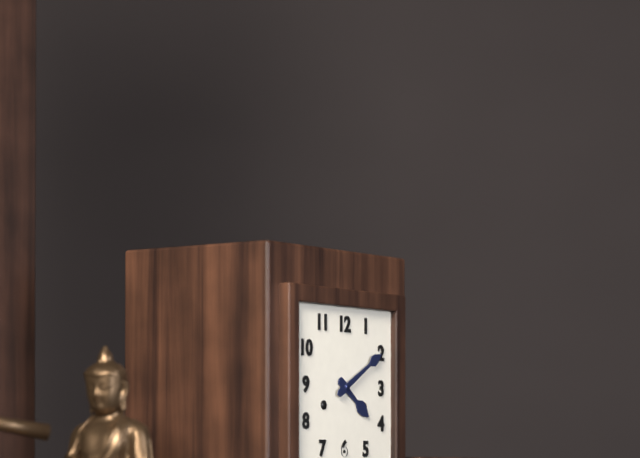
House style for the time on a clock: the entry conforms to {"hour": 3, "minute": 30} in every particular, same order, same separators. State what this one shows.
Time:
{"hour": 4, "minute": 10}
